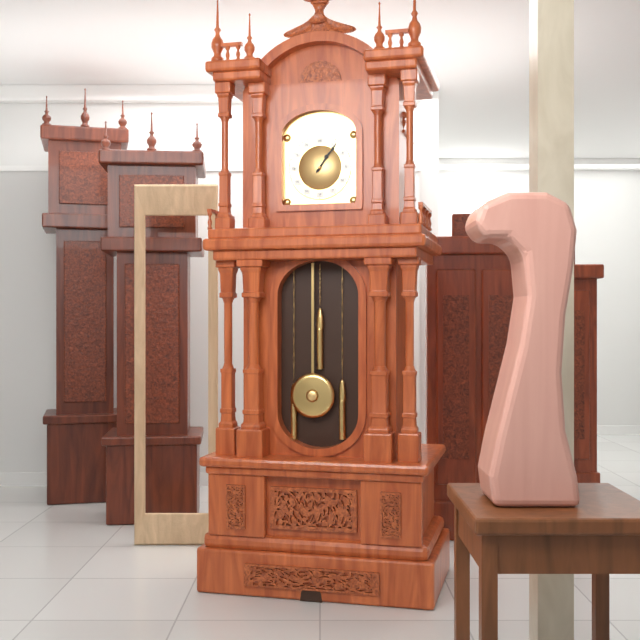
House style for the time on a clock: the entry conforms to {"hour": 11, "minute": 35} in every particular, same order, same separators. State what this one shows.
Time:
{"hour": 1, "minute": 6}
